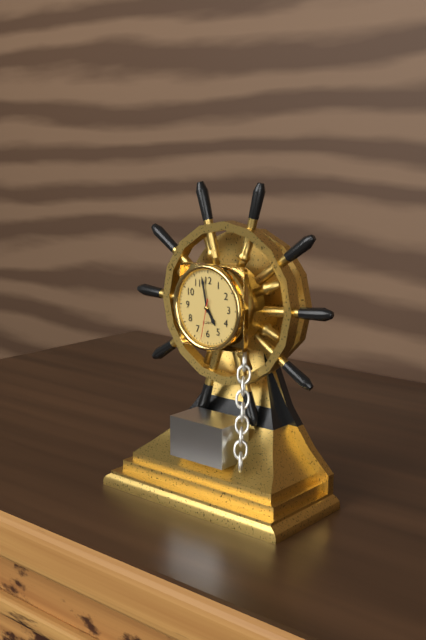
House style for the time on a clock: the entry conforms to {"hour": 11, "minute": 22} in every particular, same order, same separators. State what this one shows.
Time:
{"hour": 4, "minute": 58}
